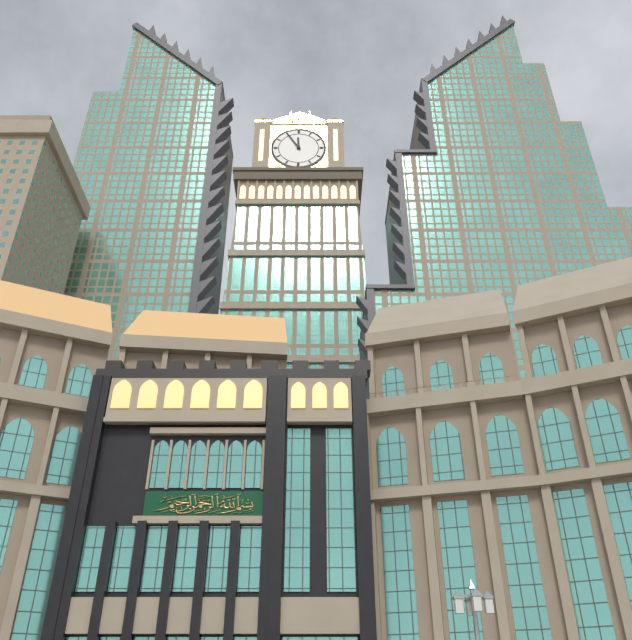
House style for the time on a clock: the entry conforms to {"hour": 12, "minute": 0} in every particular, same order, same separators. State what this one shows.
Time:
{"hour": 11, "minute": 55}
